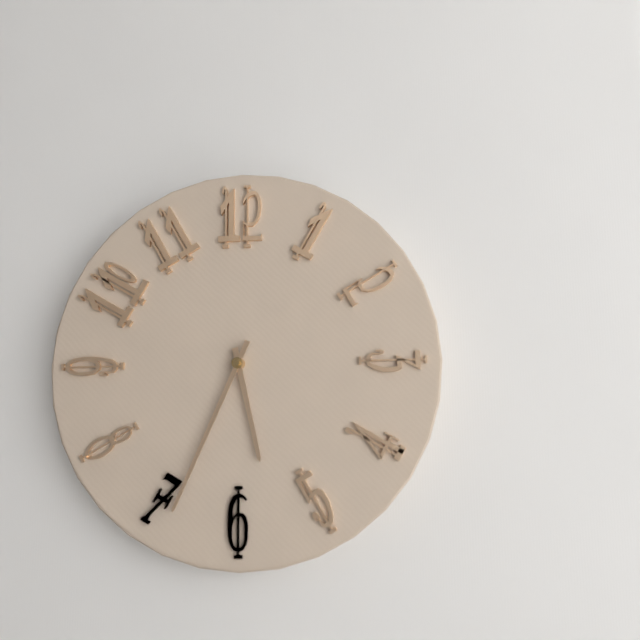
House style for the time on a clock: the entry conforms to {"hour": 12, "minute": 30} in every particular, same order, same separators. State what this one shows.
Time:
{"hour": 5, "minute": 34}
